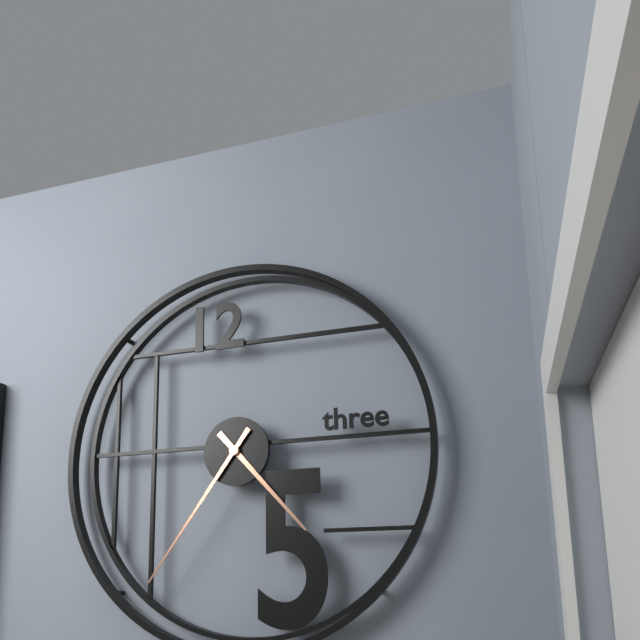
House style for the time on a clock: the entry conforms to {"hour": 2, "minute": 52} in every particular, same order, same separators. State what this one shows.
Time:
{"hour": 4, "minute": 36}
